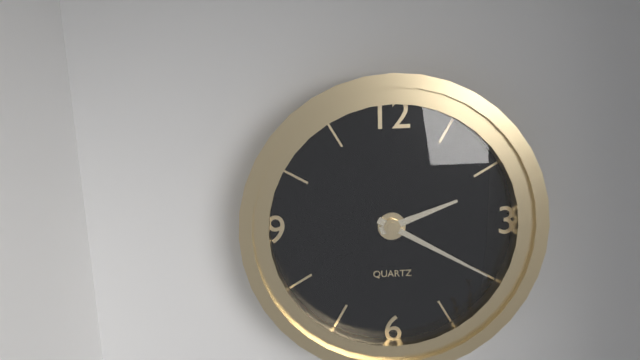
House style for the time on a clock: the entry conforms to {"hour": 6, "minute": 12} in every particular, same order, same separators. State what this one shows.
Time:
{"hour": 2, "minute": 20}
